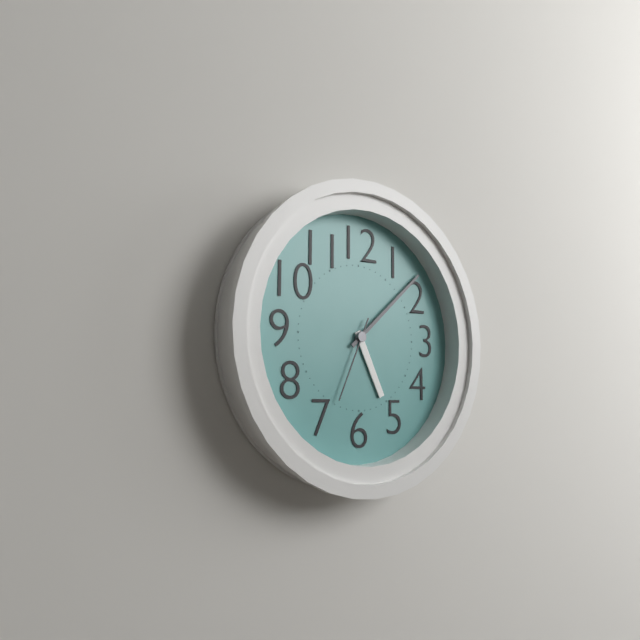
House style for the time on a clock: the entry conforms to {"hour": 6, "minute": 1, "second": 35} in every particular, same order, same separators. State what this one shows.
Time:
{"hour": 5, "minute": 8, "second": 34}
